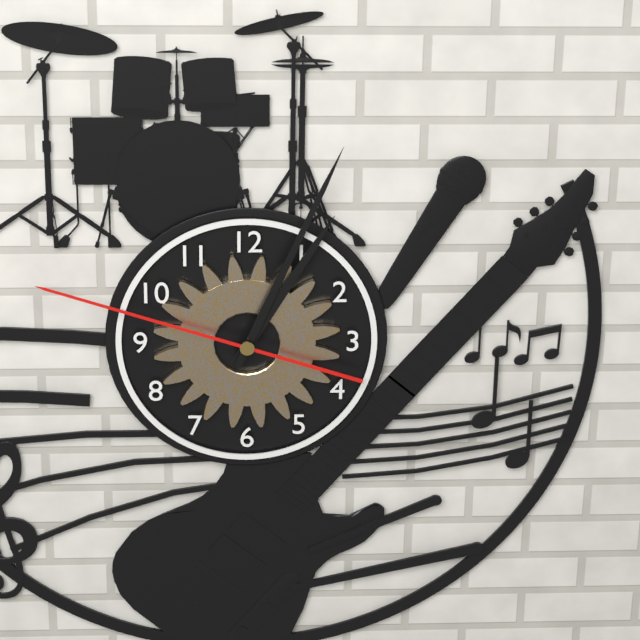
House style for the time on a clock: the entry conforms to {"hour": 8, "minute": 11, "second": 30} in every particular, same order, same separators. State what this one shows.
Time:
{"hour": 1, "minute": 4, "second": 48}
